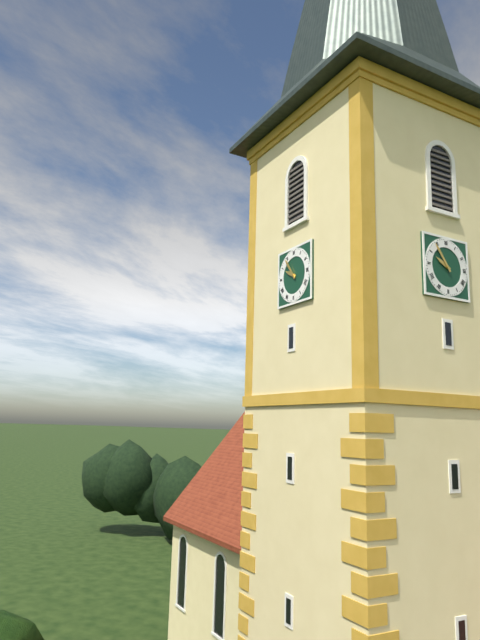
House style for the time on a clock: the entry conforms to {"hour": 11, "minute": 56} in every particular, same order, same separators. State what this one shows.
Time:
{"hour": 9, "minute": 54}
